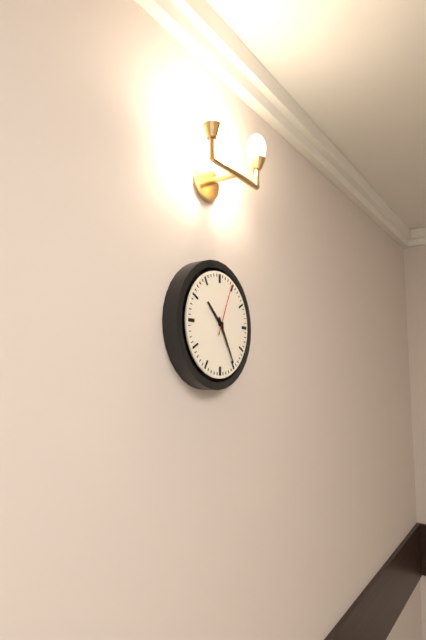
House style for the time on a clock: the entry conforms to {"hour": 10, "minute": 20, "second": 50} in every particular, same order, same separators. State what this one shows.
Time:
{"hour": 10, "minute": 25, "second": 4}
